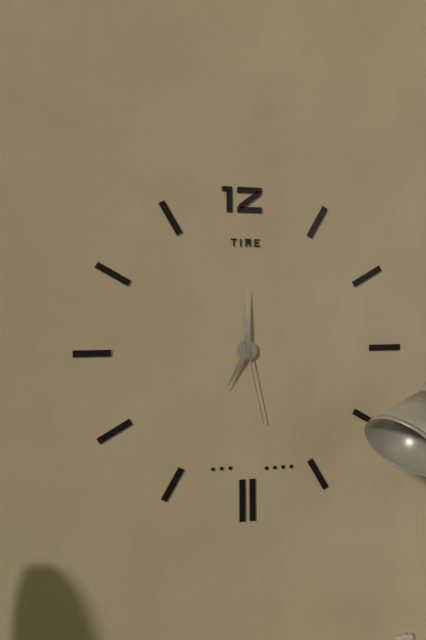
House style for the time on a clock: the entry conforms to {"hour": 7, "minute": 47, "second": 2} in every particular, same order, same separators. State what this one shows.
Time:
{"hour": 7, "minute": 0, "second": 28}
